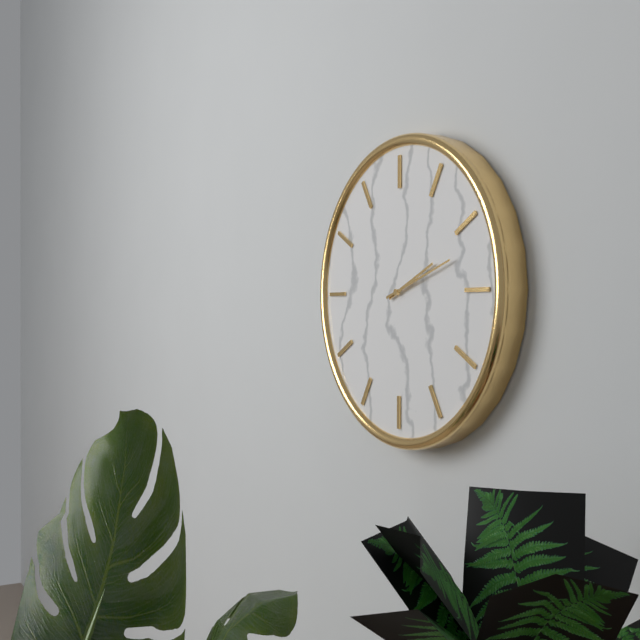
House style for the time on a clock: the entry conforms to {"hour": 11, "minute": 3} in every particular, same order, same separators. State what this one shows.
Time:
{"hour": 2, "minute": 12}
